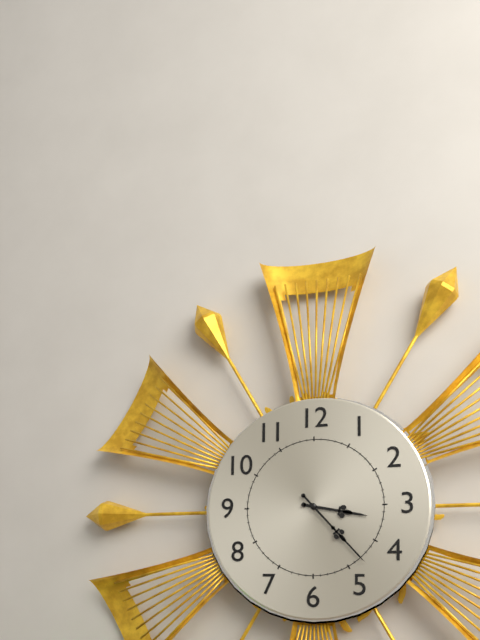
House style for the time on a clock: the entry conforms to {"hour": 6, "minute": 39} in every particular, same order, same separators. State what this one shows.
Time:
{"hour": 3, "minute": 23}
